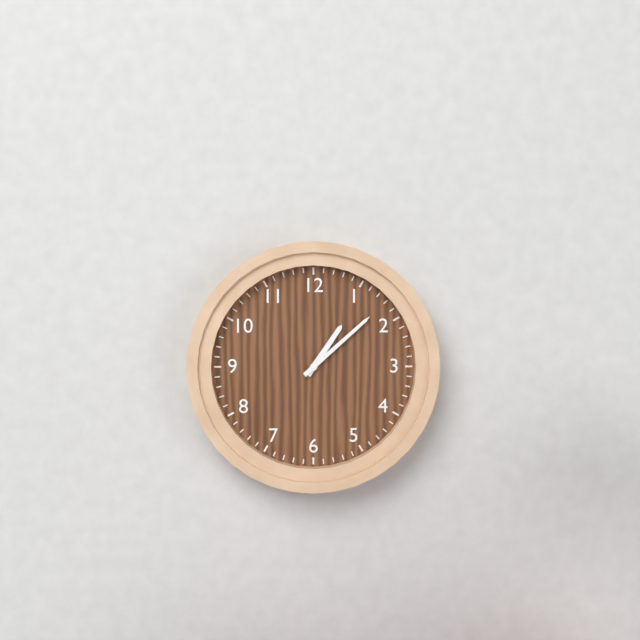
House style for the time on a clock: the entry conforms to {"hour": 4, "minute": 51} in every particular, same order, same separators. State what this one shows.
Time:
{"hour": 1, "minute": 8}
